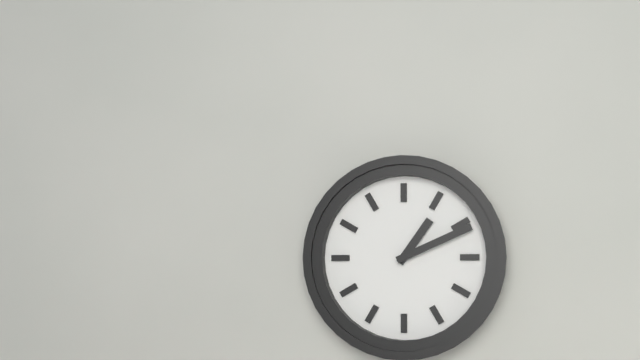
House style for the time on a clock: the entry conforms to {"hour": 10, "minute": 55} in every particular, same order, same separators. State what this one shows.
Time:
{"hour": 1, "minute": 11}
